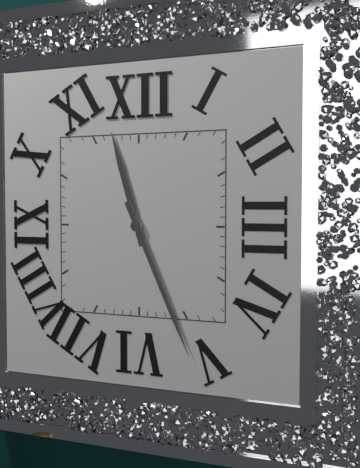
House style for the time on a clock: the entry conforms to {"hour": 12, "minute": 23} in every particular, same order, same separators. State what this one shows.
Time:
{"hour": 11, "minute": 26}
